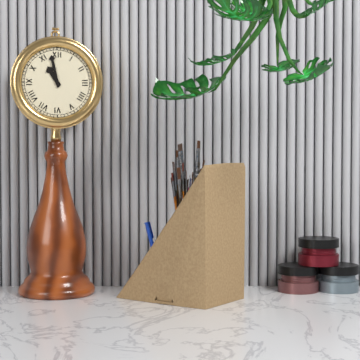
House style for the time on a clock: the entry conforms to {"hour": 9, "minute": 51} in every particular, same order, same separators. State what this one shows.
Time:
{"hour": 10, "minute": 58}
